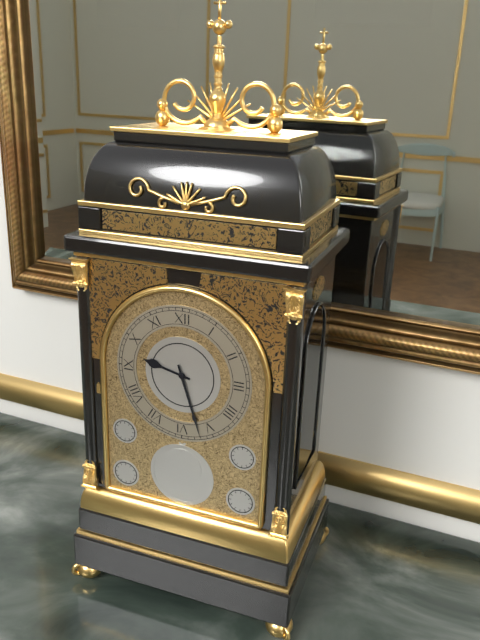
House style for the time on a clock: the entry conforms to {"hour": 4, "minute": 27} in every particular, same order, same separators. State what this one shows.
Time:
{"hour": 9, "minute": 27}
